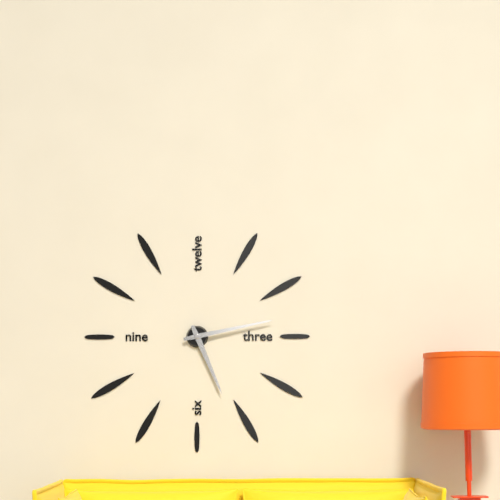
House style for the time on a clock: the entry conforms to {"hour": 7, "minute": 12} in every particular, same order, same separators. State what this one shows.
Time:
{"hour": 5, "minute": 13}
